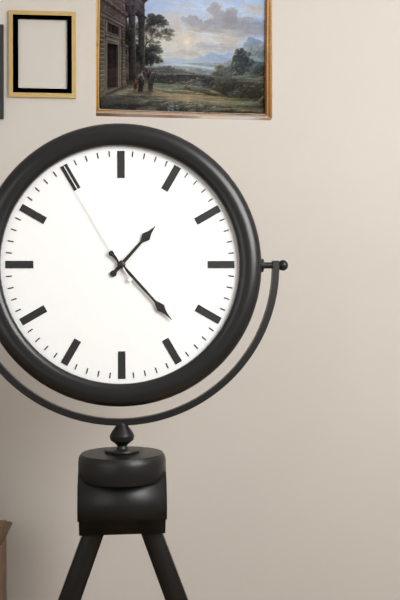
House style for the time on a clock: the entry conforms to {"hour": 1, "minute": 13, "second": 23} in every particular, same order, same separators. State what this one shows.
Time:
{"hour": 1, "minute": 23, "second": 55}
